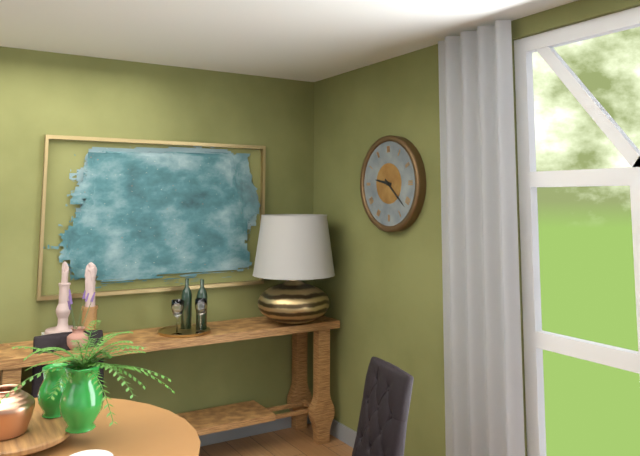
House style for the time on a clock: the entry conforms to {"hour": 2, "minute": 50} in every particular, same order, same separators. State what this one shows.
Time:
{"hour": 9, "minute": 22}
